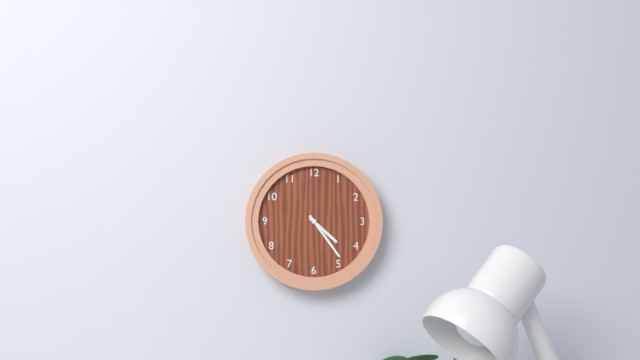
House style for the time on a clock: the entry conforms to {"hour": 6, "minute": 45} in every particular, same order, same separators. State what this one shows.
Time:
{"hour": 4, "minute": 24}
